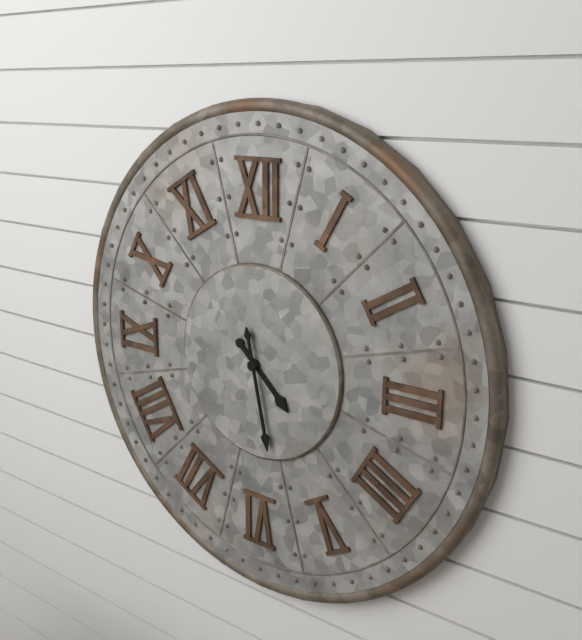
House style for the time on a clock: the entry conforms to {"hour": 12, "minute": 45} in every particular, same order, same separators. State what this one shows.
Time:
{"hour": 4, "minute": 28}
